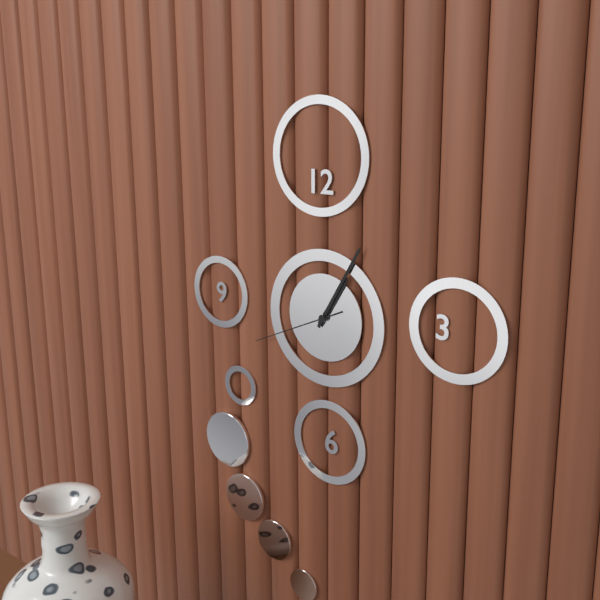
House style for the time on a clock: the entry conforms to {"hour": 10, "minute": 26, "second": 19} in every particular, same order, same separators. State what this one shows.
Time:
{"hour": 1, "minute": 5, "second": 41}
